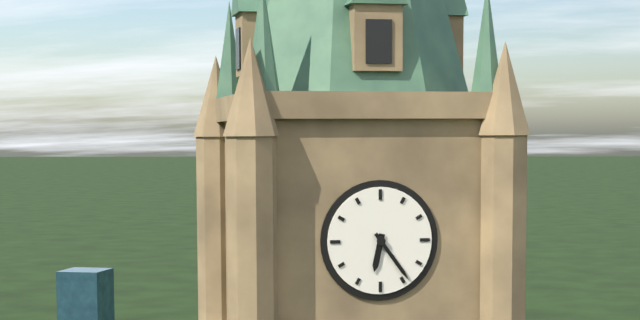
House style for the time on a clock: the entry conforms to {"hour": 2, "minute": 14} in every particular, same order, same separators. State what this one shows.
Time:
{"hour": 6, "minute": 24}
